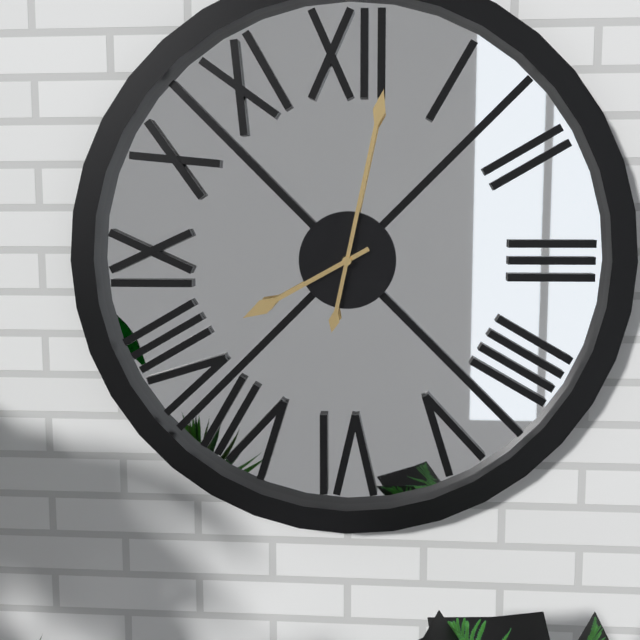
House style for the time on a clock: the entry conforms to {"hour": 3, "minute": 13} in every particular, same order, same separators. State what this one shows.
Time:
{"hour": 8, "minute": 2}
